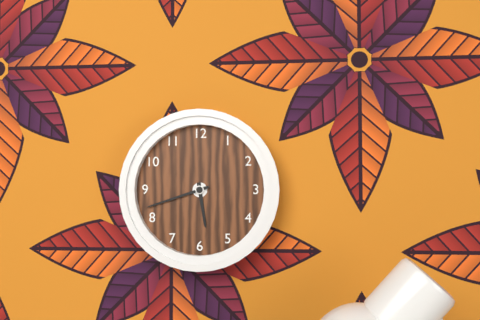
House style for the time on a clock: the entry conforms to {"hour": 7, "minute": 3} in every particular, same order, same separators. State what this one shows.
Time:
{"hour": 5, "minute": 42}
